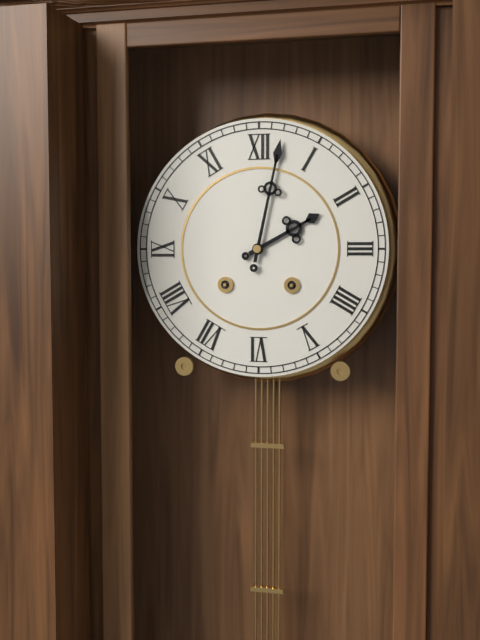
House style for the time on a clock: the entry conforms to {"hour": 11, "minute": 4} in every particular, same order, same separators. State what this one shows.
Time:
{"hour": 2, "minute": 2}
